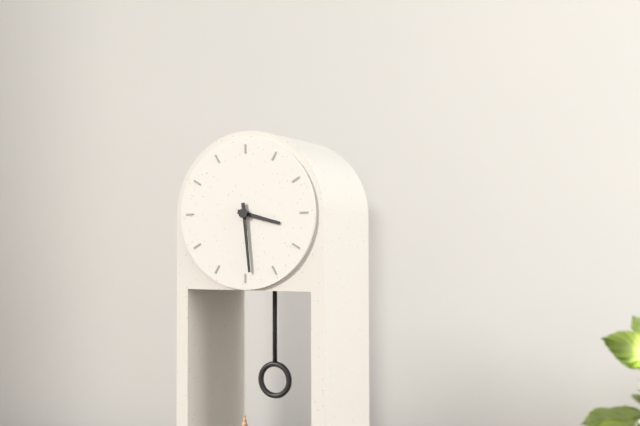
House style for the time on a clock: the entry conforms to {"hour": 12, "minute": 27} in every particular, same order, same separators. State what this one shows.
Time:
{"hour": 3, "minute": 29}
